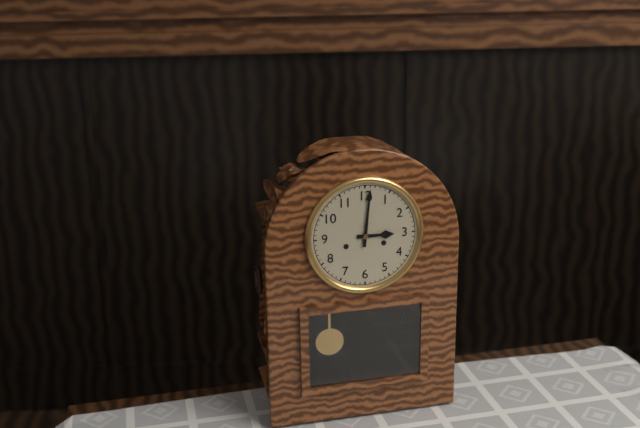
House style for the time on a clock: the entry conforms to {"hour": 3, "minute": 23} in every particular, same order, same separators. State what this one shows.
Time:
{"hour": 3, "minute": 1}
